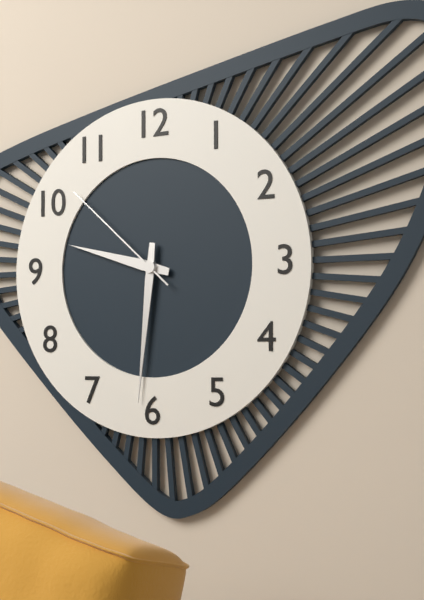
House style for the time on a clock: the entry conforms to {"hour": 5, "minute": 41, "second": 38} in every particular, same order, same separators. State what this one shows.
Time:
{"hour": 9, "minute": 31, "second": 52}
